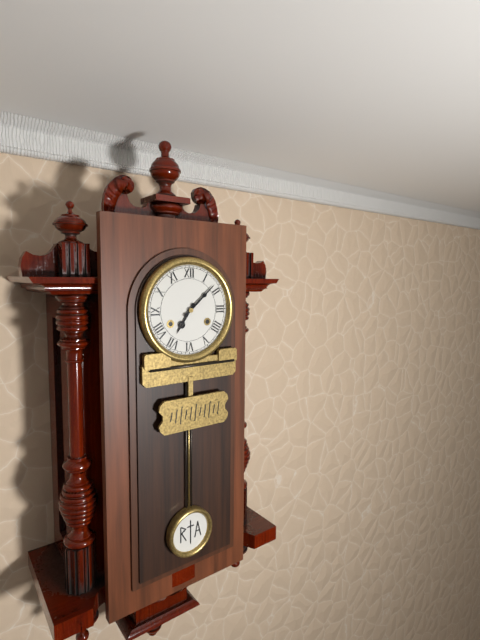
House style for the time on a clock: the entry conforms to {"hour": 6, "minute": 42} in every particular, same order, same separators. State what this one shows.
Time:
{"hour": 7, "minute": 8}
